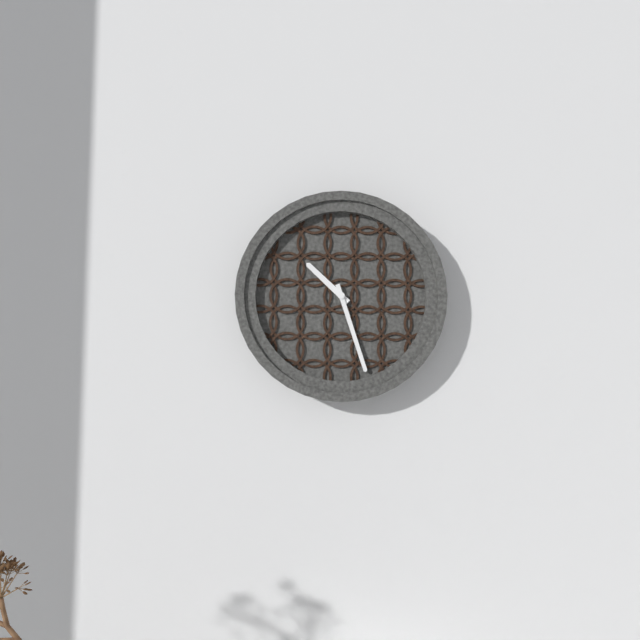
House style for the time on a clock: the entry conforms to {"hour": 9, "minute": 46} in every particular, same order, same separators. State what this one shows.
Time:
{"hour": 10, "minute": 27}
